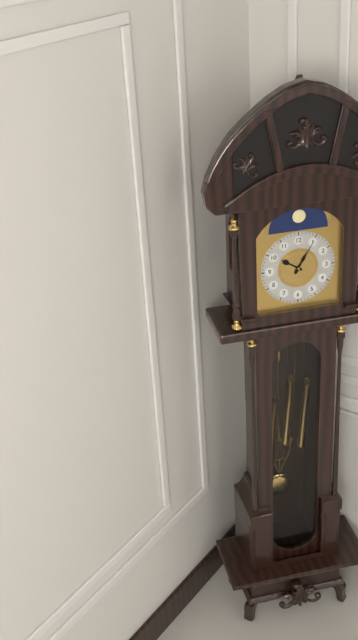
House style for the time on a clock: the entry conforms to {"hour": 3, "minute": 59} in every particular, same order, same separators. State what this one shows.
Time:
{"hour": 10, "minute": 5}
